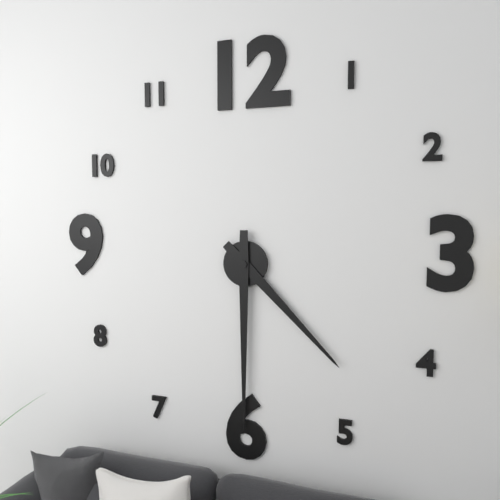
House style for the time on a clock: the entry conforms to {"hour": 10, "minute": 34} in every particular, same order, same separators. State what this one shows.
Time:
{"hour": 4, "minute": 30}
